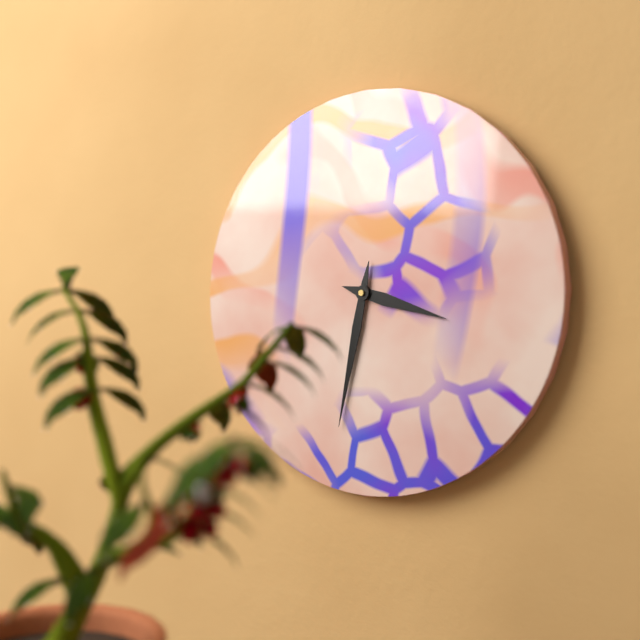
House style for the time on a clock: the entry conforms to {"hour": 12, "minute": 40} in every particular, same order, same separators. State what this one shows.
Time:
{"hour": 3, "minute": 32}
